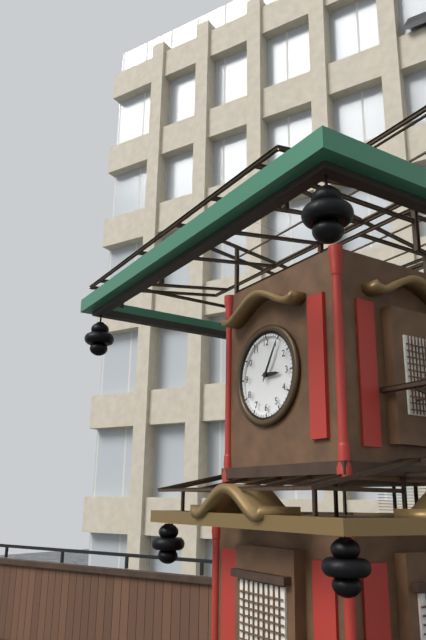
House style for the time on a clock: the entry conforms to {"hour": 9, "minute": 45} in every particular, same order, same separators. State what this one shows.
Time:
{"hour": 3, "minute": 5}
